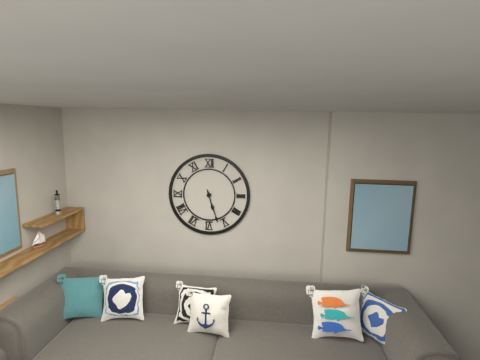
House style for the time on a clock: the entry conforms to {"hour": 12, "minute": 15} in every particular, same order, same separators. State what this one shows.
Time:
{"hour": 5, "minute": 27}
